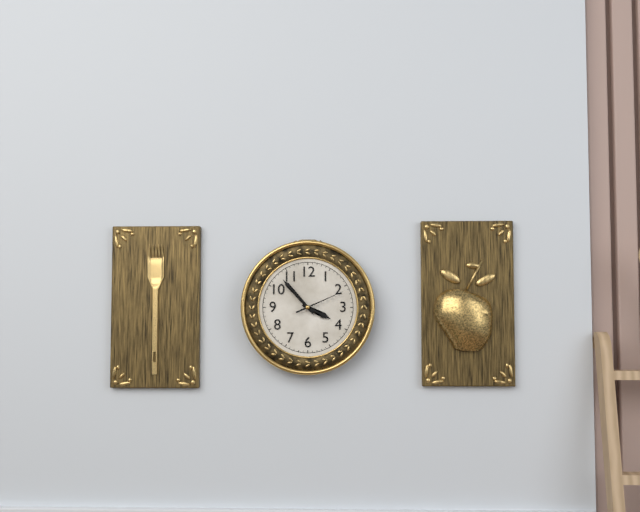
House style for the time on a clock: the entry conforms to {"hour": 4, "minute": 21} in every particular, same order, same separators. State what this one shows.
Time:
{"hour": 3, "minute": 53}
